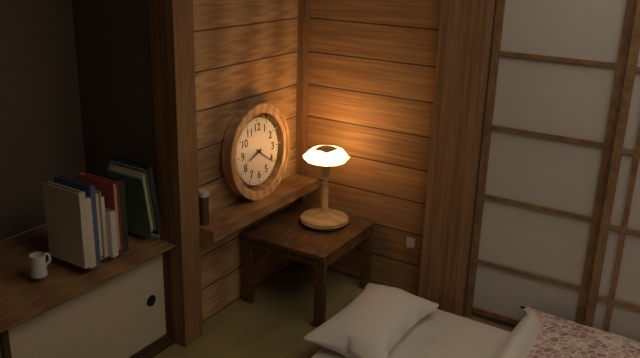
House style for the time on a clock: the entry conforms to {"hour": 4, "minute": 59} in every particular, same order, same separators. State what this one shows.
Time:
{"hour": 8, "minute": 21}
